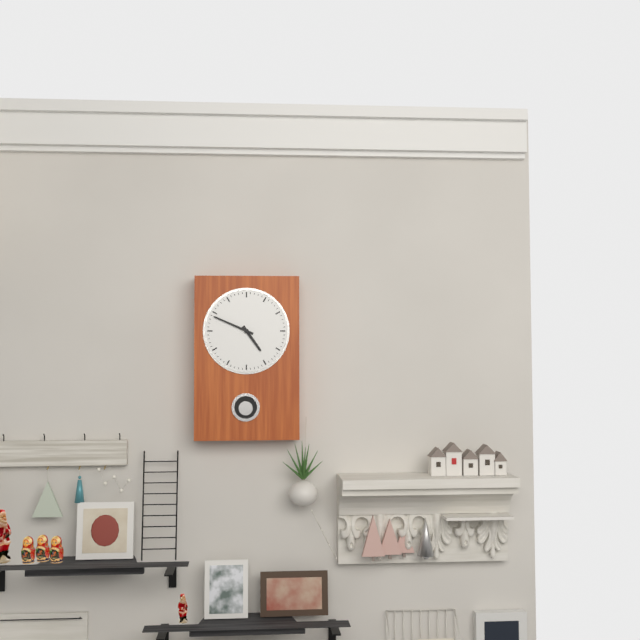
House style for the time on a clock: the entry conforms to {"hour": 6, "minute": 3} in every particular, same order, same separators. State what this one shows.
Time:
{"hour": 4, "minute": 49}
